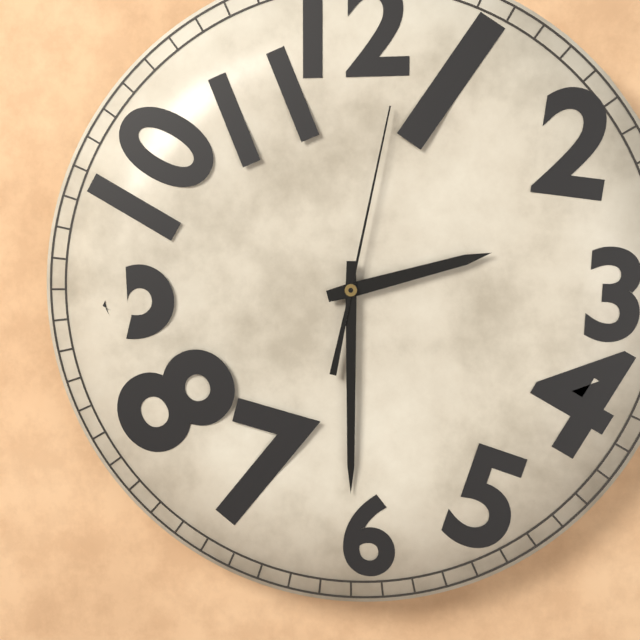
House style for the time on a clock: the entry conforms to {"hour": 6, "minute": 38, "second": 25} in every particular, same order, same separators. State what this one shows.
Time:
{"hour": 2, "minute": 30, "second": 2}
